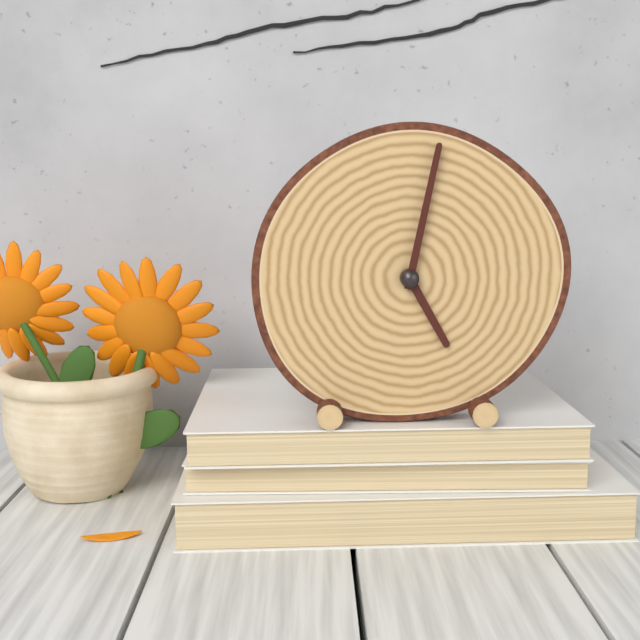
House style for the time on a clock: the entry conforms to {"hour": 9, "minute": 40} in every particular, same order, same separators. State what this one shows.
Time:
{"hour": 5, "minute": 2}
